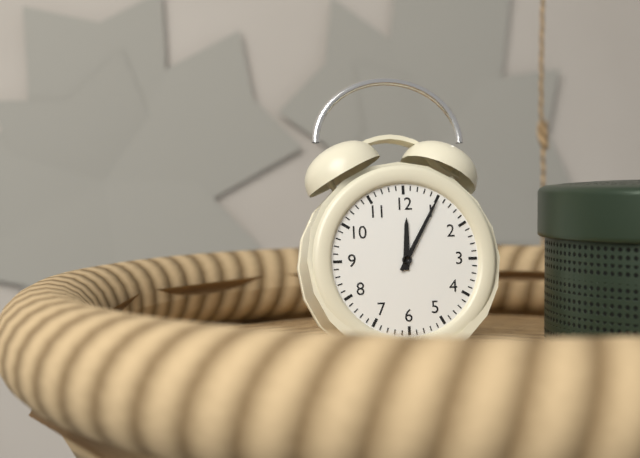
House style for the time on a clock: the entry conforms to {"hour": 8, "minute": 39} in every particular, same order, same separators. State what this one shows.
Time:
{"hour": 12, "minute": 5}
